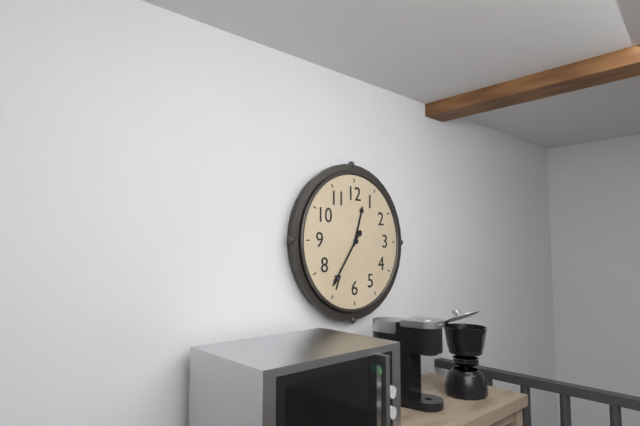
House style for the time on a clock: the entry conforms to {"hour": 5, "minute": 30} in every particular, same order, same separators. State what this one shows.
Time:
{"hour": 12, "minute": 36}
